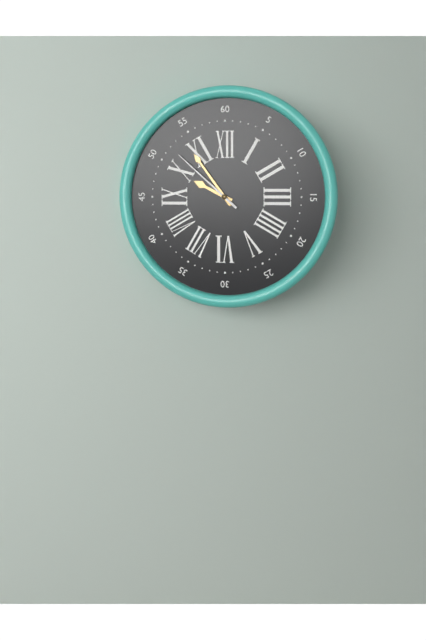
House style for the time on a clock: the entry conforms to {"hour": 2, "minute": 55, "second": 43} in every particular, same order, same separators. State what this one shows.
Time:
{"hour": 9, "minute": 54, "second": 52}
